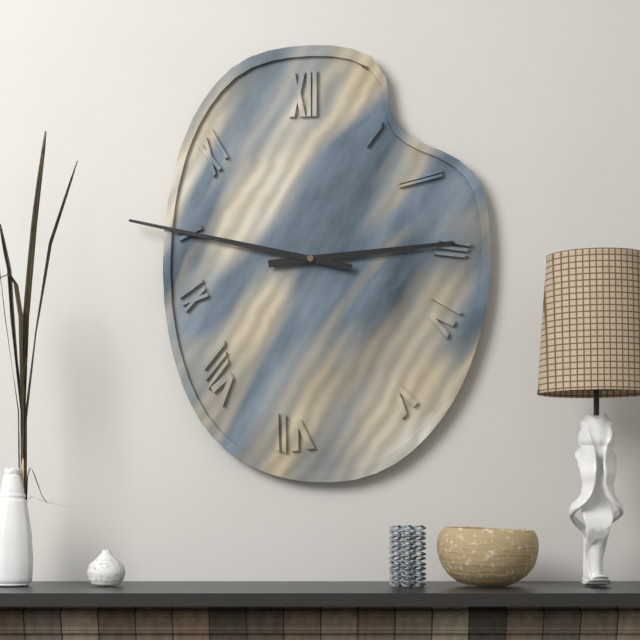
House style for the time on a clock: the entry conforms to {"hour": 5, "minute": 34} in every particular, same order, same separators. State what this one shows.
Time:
{"hour": 2, "minute": 47}
